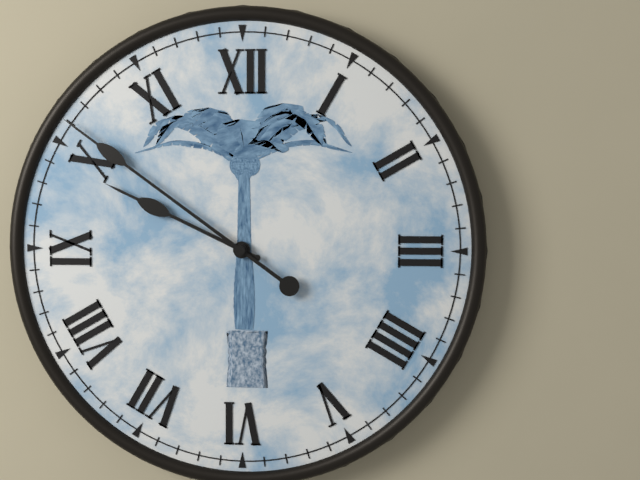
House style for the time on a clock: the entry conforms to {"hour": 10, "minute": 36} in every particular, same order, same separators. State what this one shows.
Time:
{"hour": 9, "minute": 51}
